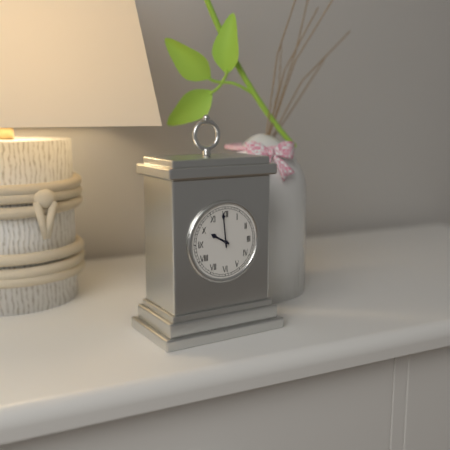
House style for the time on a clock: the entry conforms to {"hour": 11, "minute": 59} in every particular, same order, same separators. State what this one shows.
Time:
{"hour": 9, "minute": 59}
